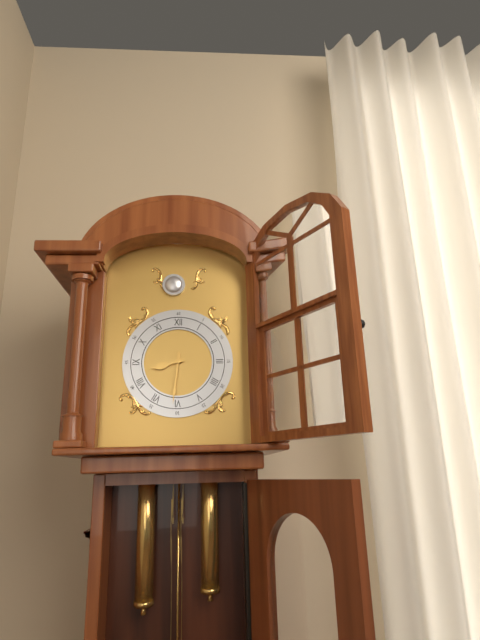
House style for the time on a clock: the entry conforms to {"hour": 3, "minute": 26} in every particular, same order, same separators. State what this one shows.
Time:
{"hour": 8, "minute": 31}
